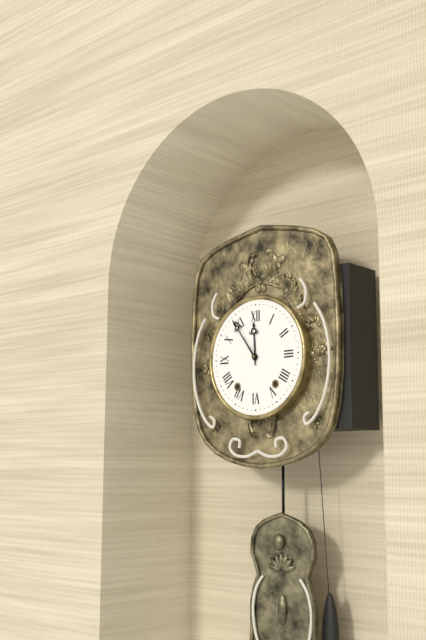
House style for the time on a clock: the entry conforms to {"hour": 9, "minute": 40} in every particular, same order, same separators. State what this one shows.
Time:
{"hour": 11, "minute": 54}
